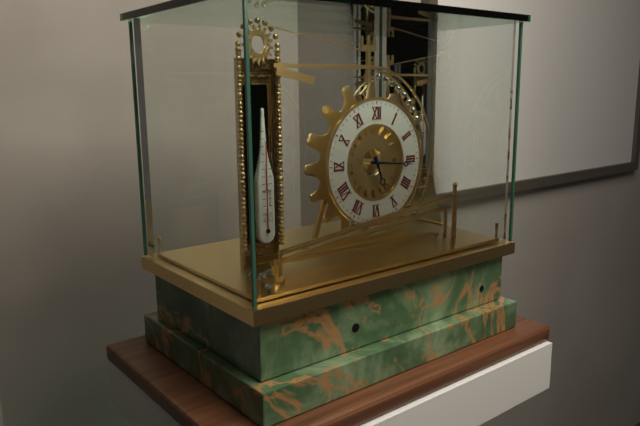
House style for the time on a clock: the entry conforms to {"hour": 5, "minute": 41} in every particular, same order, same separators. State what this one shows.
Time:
{"hour": 5, "minute": 16}
